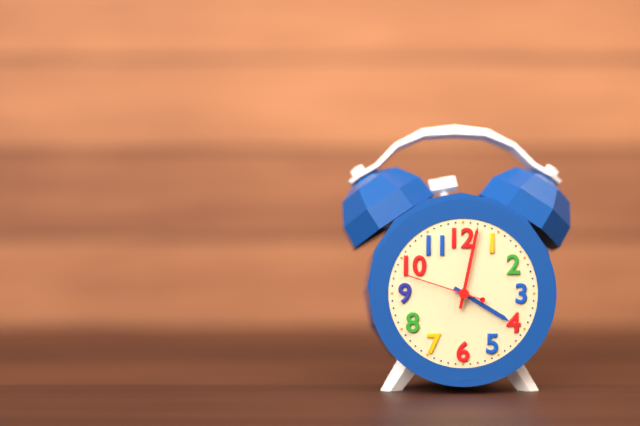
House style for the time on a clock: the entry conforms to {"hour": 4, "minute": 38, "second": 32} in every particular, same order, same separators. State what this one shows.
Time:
{"hour": 4, "minute": 2, "second": 48}
